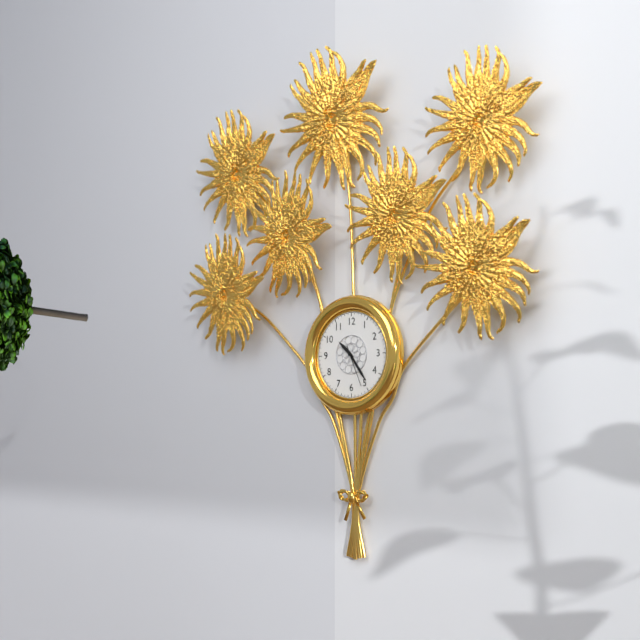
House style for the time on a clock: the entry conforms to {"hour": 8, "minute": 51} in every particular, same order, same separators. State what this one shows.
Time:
{"hour": 10, "minute": 24}
